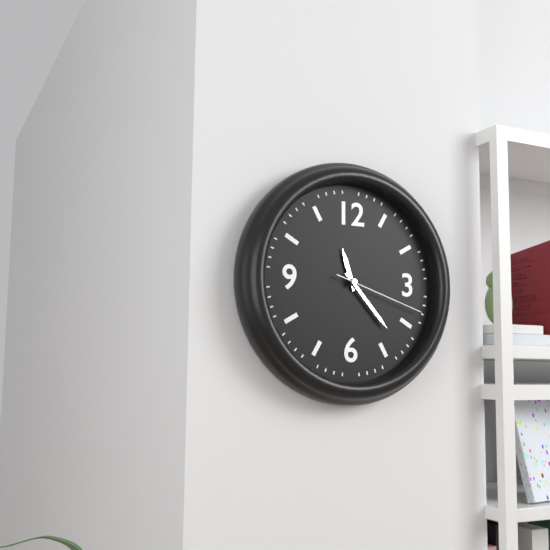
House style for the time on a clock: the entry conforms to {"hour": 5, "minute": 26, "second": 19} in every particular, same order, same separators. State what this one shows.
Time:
{"hour": 11, "minute": 23, "second": 18}
